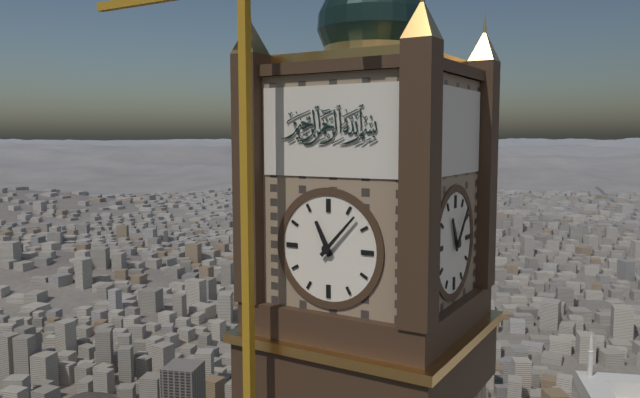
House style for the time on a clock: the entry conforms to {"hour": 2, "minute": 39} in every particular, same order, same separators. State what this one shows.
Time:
{"hour": 11, "minute": 7}
